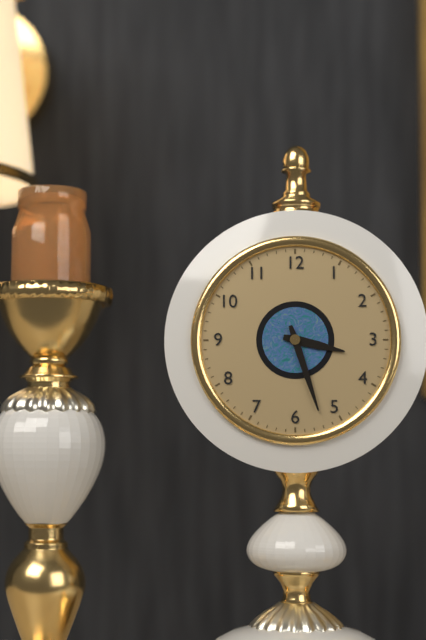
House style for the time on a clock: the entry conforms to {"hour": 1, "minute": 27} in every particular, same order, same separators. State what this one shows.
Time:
{"hour": 3, "minute": 27}
